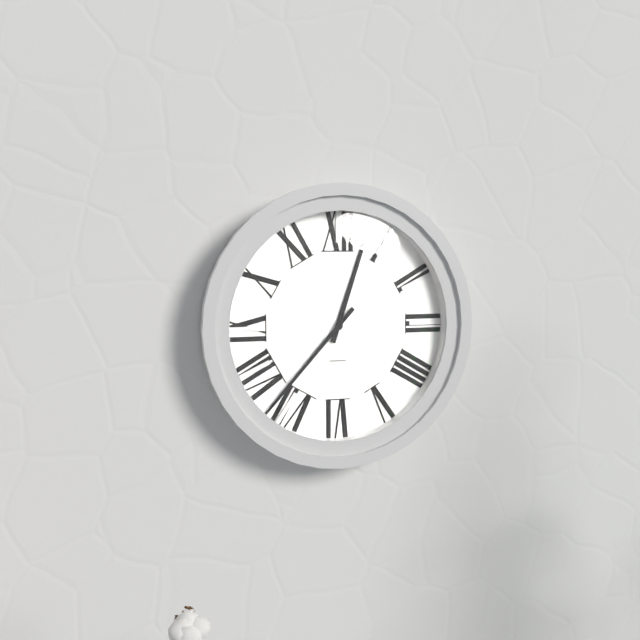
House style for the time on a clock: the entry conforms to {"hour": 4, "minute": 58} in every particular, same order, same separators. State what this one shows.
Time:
{"hour": 12, "minute": 37}
